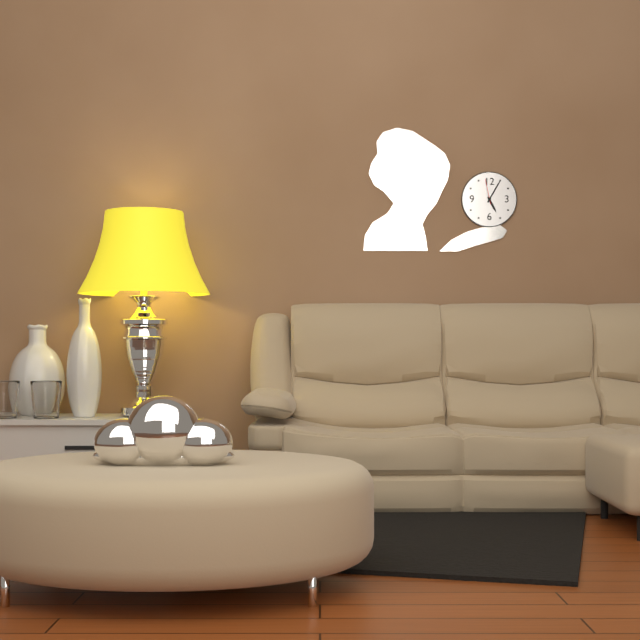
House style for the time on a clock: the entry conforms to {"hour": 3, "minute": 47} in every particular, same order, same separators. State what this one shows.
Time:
{"hour": 5, "minute": 5}
